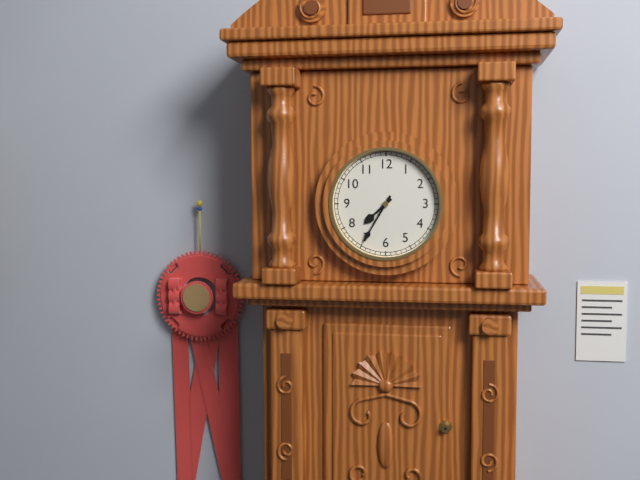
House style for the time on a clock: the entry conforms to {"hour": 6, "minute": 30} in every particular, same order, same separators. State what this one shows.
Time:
{"hour": 7, "minute": 35}
